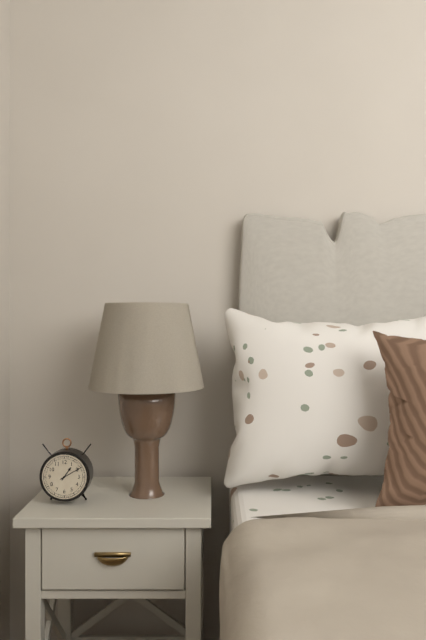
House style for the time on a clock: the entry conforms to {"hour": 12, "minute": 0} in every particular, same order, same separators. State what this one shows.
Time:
{"hour": 1, "minute": 10}
